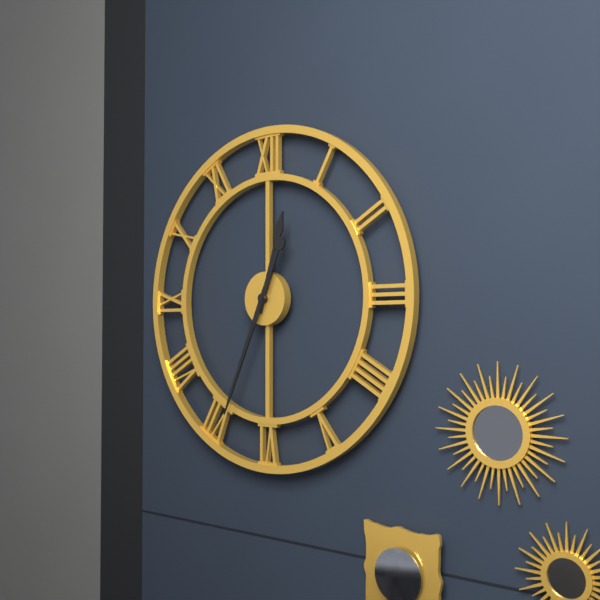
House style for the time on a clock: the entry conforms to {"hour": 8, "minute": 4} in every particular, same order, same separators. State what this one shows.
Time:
{"hour": 12, "minute": 34}
